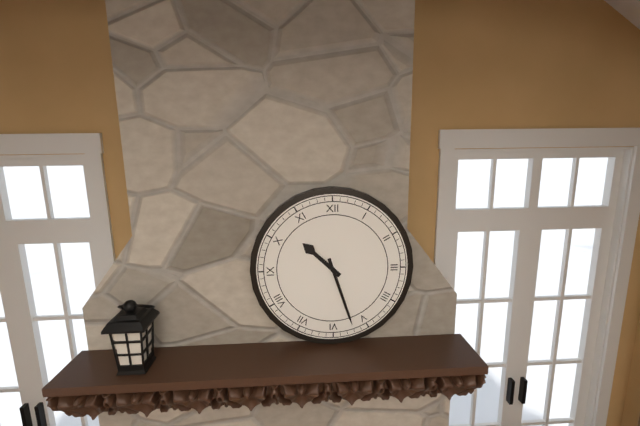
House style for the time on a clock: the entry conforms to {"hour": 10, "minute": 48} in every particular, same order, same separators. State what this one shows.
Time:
{"hour": 10, "minute": 27}
